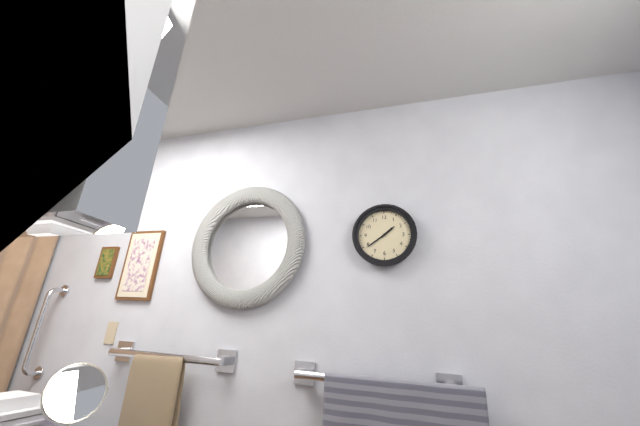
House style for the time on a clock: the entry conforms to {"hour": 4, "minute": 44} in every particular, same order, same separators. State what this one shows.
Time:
{"hour": 1, "minute": 39}
